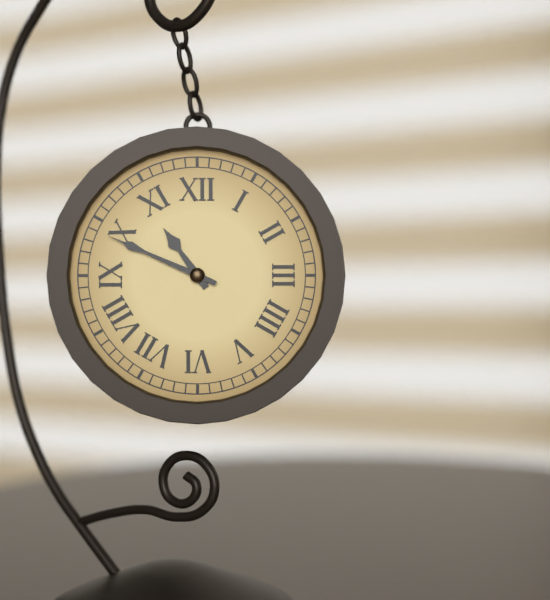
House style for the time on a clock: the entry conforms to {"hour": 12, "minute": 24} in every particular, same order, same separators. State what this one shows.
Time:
{"hour": 10, "minute": 49}
